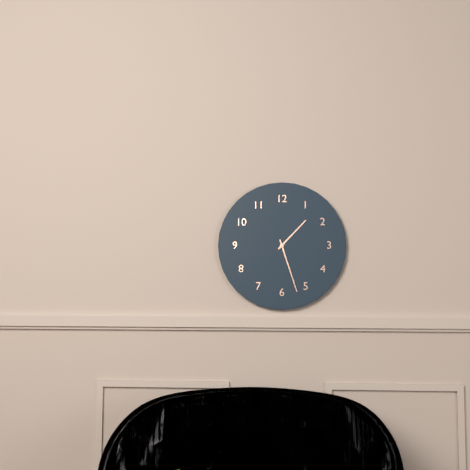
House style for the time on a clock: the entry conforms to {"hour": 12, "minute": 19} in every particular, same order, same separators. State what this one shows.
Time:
{"hour": 1, "minute": 27}
